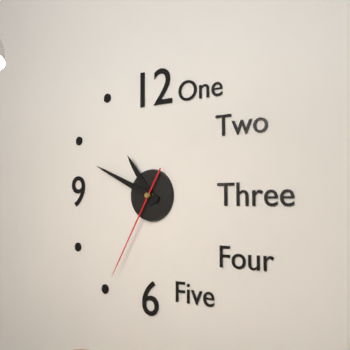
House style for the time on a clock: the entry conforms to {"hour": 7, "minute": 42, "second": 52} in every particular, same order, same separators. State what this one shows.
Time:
{"hour": 10, "minute": 49, "second": 35}
